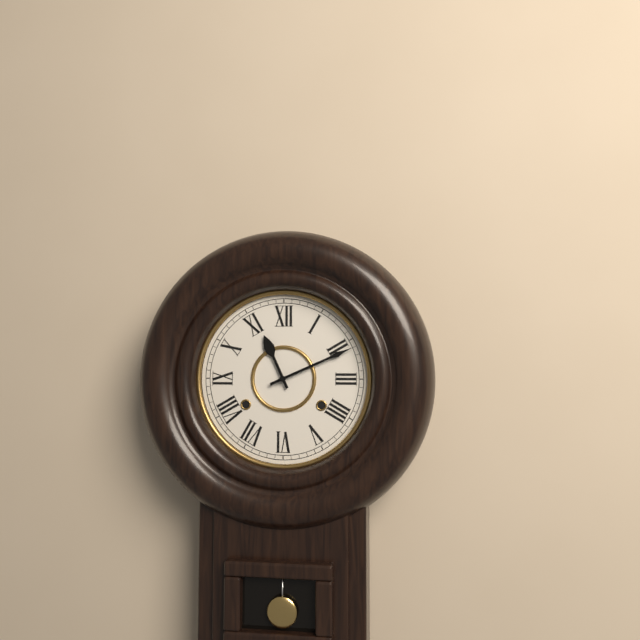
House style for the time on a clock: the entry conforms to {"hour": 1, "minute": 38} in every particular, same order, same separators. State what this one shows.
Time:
{"hour": 11, "minute": 11}
